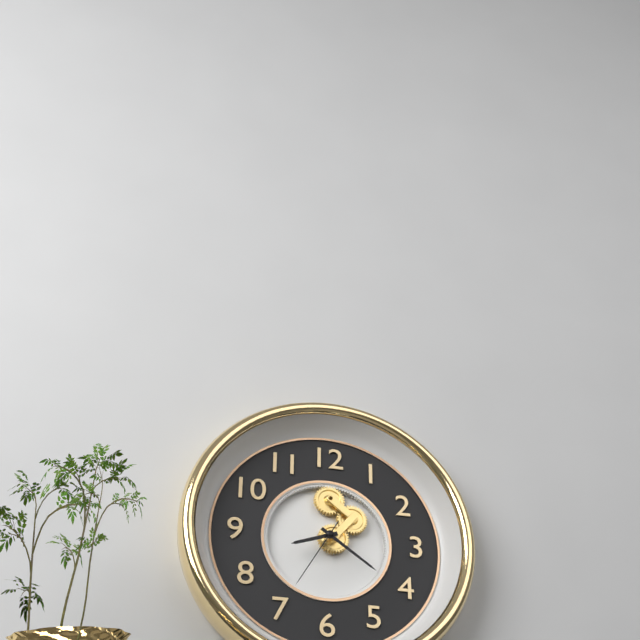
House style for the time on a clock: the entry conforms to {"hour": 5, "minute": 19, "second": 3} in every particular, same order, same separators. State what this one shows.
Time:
{"hour": 8, "minute": 21, "second": 35}
